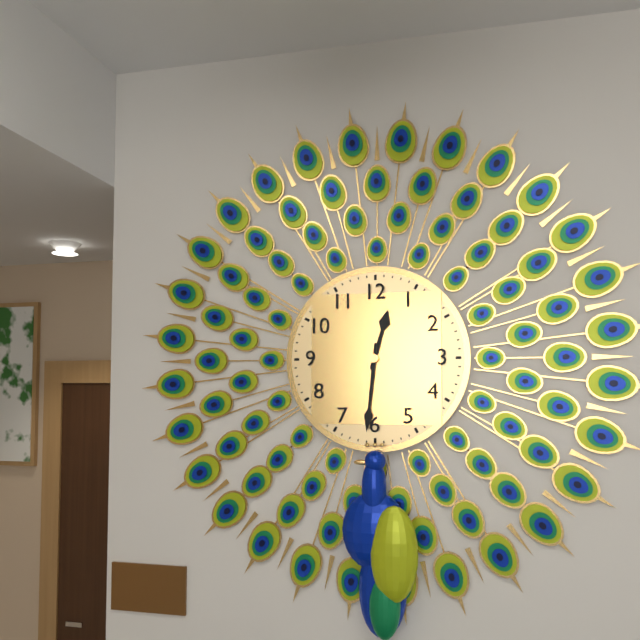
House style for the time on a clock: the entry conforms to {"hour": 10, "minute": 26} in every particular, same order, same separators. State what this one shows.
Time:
{"hour": 12, "minute": 31}
